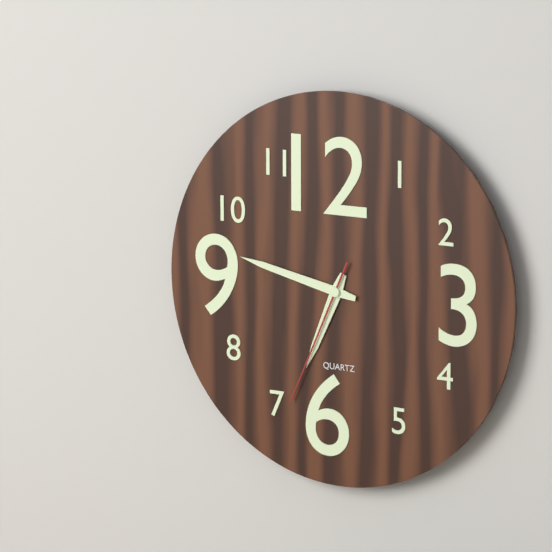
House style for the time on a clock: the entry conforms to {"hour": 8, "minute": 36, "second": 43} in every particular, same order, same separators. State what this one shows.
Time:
{"hour": 6, "minute": 47, "second": 34}
